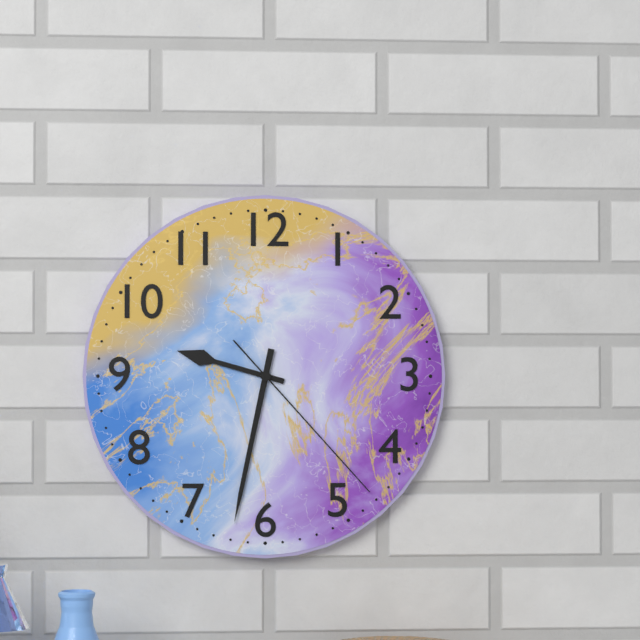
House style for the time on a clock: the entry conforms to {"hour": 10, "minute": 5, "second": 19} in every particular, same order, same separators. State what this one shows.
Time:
{"hour": 9, "minute": 32, "second": 23}
